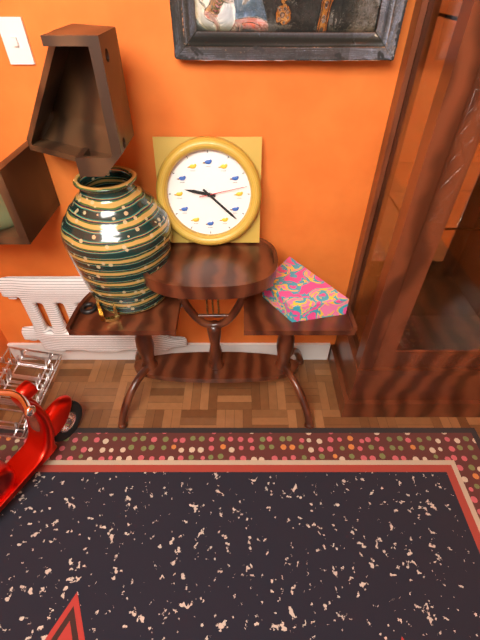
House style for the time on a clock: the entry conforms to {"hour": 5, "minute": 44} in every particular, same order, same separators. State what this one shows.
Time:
{"hour": 9, "minute": 22}
